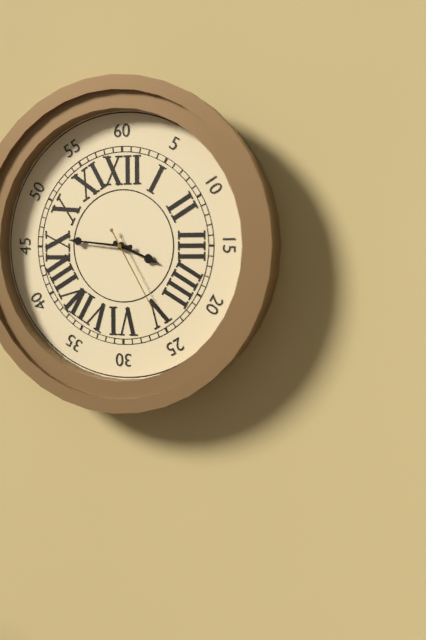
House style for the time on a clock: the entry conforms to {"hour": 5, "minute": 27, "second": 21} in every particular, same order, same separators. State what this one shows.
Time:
{"hour": 3, "minute": 46, "second": 25}
